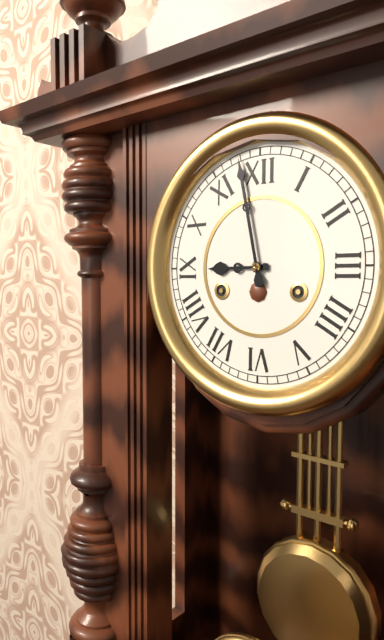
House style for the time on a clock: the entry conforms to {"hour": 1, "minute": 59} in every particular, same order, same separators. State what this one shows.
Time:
{"hour": 8, "minute": 58}
